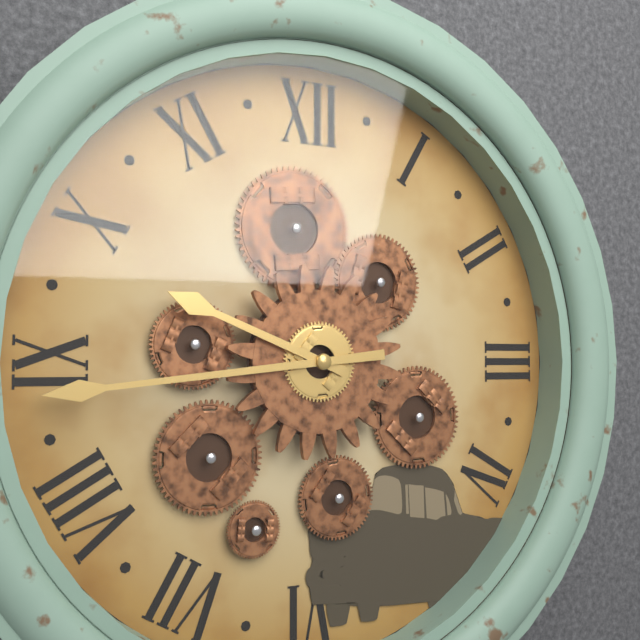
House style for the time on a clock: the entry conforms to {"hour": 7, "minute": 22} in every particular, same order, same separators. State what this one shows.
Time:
{"hour": 9, "minute": 44}
